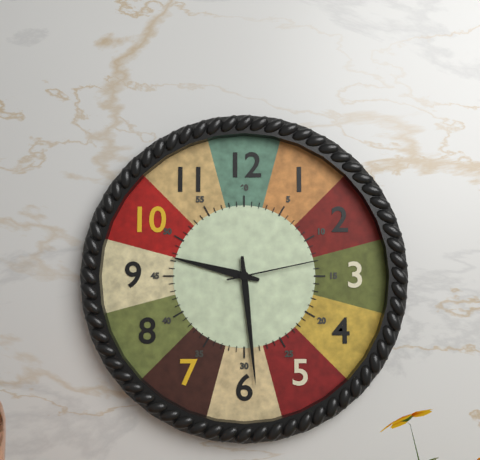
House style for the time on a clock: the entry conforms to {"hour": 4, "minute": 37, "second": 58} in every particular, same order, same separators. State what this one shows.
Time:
{"hour": 9, "minute": 29, "second": 13}
